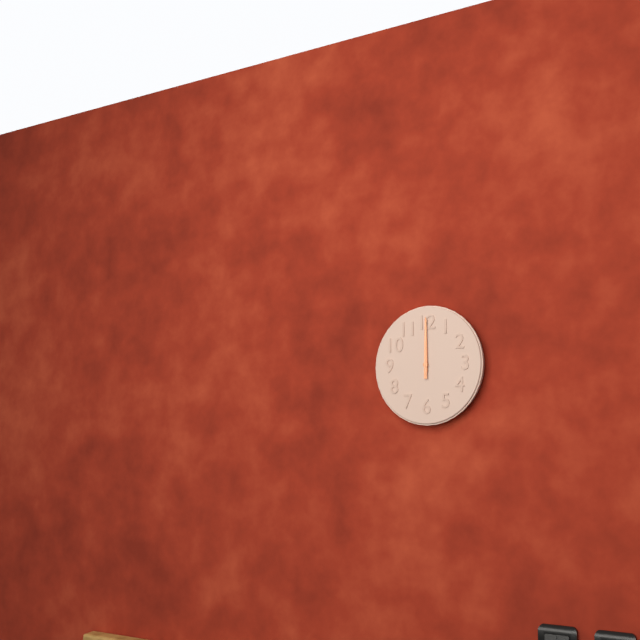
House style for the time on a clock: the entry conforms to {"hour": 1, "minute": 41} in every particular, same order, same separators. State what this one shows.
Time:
{"hour": 12, "minute": 0}
